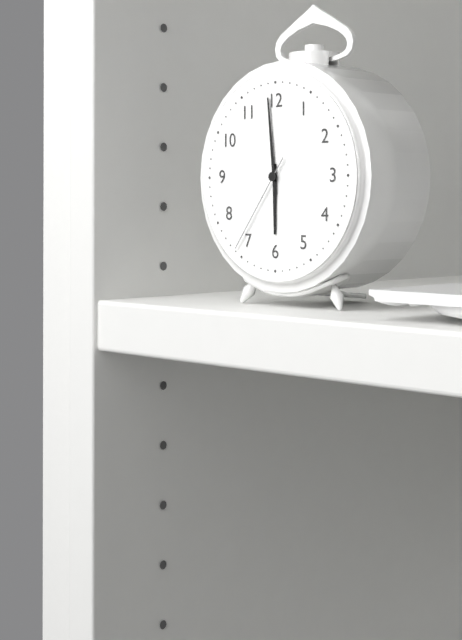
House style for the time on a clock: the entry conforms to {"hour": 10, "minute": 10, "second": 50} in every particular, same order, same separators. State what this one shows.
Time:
{"hour": 5, "minute": 59, "second": 36}
